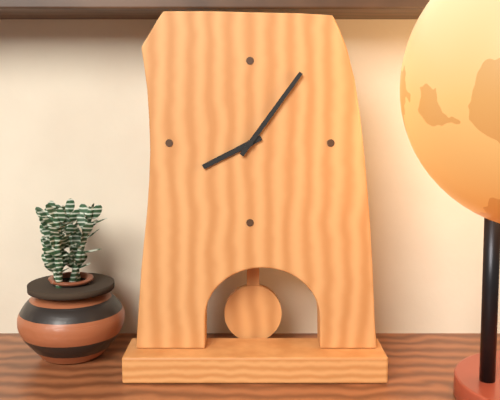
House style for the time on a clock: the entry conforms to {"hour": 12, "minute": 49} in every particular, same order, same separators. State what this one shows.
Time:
{"hour": 8, "minute": 6}
